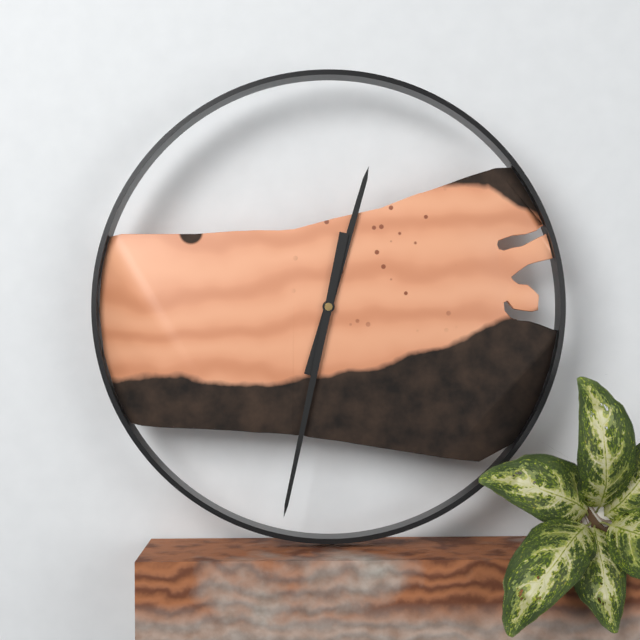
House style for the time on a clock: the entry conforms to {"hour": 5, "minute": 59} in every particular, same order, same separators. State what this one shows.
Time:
{"hour": 12, "minute": 32}
